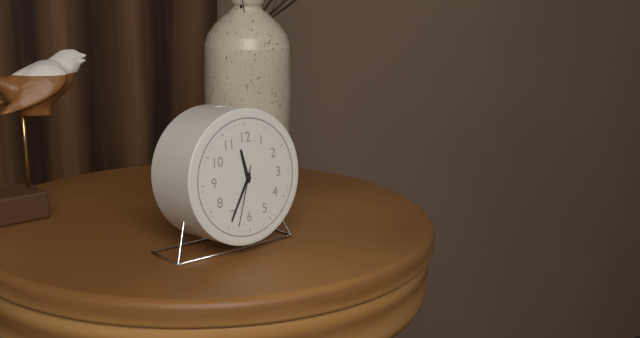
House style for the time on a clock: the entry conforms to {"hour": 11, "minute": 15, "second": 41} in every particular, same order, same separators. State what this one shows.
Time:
{"hour": 11, "minute": 35, "second": 33}
